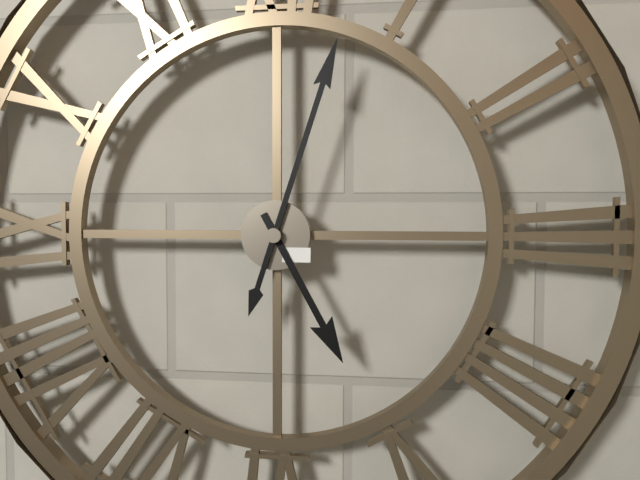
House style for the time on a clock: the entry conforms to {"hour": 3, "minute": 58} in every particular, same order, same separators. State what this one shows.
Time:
{"hour": 5, "minute": 3}
